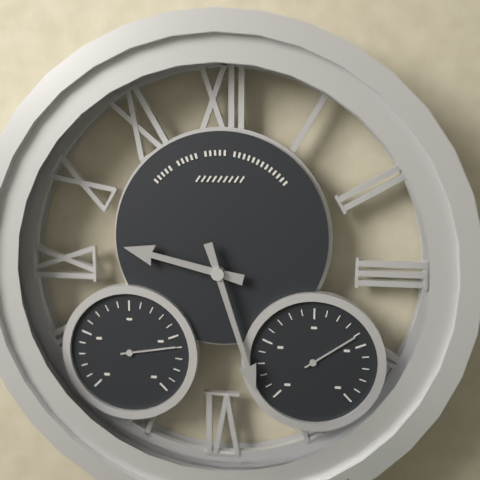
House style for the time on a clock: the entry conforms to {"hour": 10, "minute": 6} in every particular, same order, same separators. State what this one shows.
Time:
{"hour": 9, "minute": 27}
